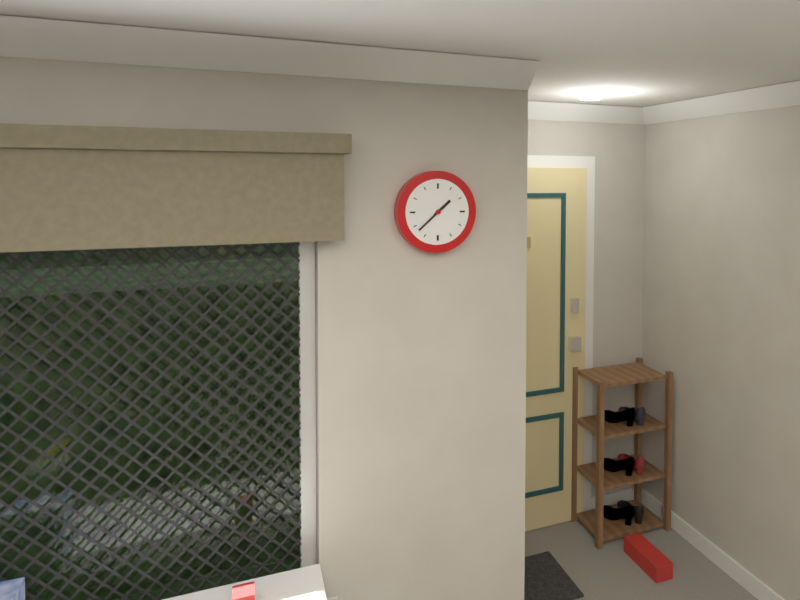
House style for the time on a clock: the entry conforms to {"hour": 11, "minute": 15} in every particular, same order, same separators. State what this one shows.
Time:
{"hour": 1, "minute": 38}
